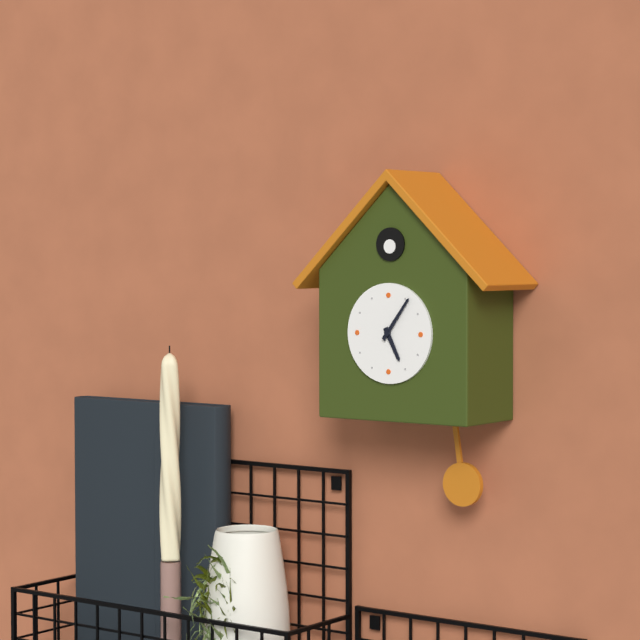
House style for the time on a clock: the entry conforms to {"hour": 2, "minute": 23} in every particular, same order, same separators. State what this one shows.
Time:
{"hour": 5, "minute": 6}
